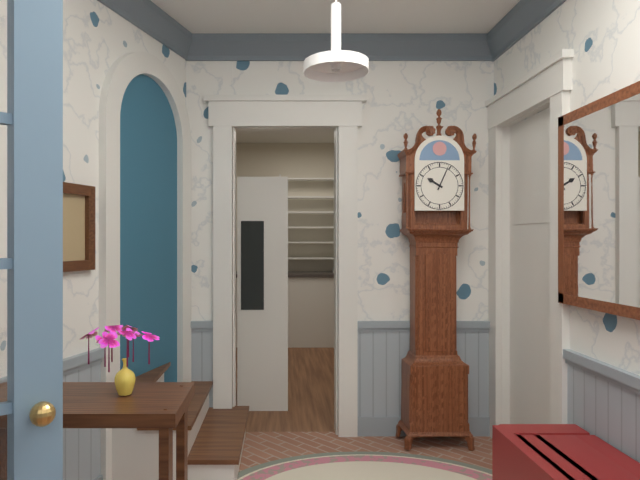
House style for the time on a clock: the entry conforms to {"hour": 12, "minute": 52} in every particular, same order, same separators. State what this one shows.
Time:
{"hour": 10, "minute": 4}
